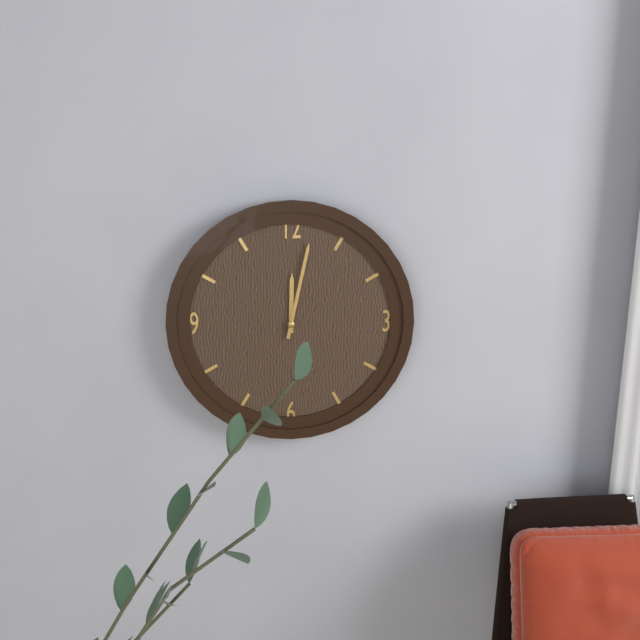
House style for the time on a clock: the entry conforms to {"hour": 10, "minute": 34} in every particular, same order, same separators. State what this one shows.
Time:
{"hour": 12, "minute": 2}
